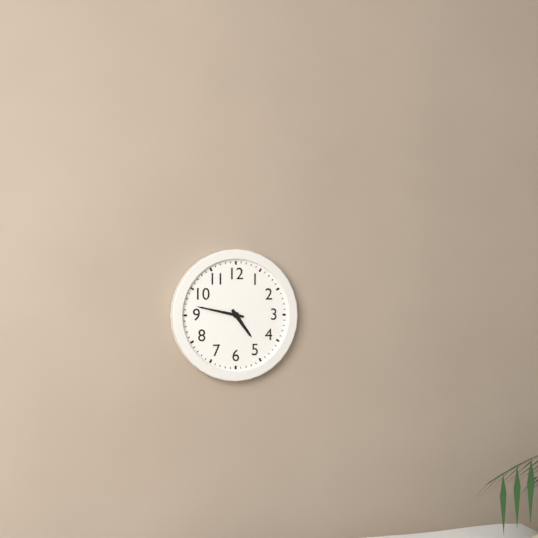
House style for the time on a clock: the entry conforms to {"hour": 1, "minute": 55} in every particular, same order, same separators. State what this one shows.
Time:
{"hour": 4, "minute": 47}
